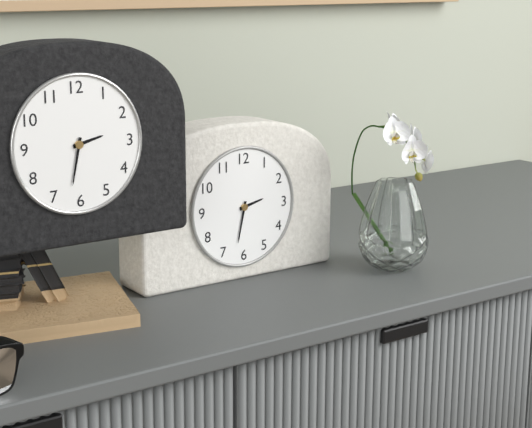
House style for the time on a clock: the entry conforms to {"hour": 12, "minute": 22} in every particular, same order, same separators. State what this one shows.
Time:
{"hour": 2, "minute": 32}
